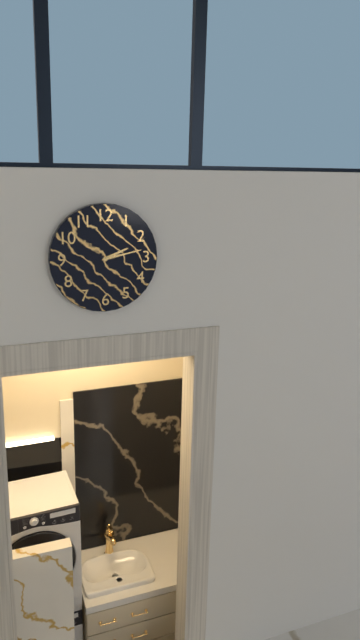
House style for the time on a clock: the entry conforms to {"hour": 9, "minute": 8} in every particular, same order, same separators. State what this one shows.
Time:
{"hour": 2, "minute": 13}
